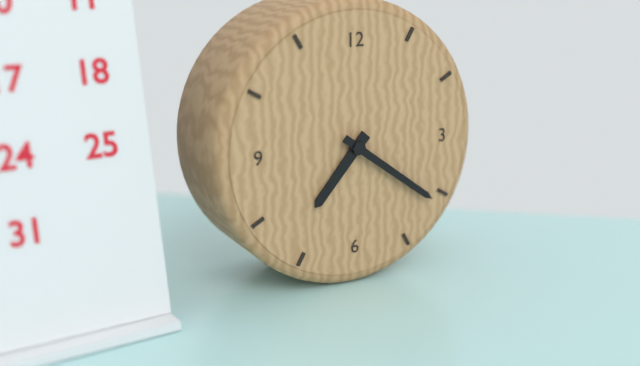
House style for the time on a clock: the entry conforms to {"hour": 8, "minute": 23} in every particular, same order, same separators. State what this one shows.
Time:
{"hour": 7, "minute": 21}
